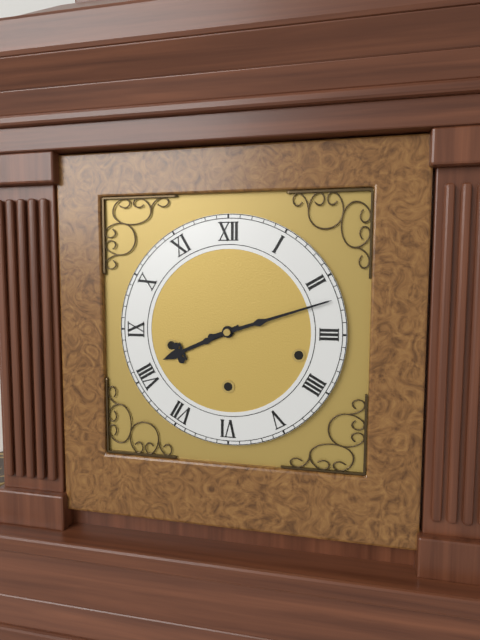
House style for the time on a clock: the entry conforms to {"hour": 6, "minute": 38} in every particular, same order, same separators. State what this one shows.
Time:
{"hour": 8, "minute": 12}
